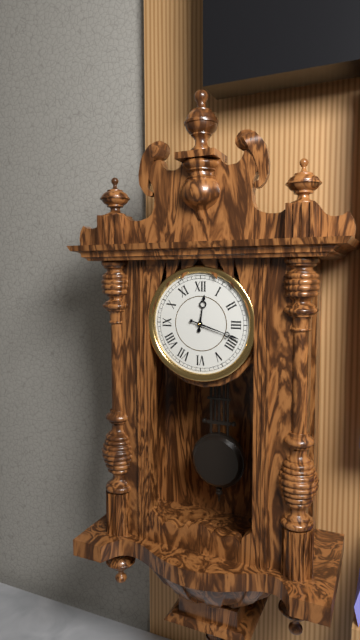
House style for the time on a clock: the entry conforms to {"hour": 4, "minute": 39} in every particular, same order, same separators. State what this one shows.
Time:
{"hour": 12, "minute": 18}
